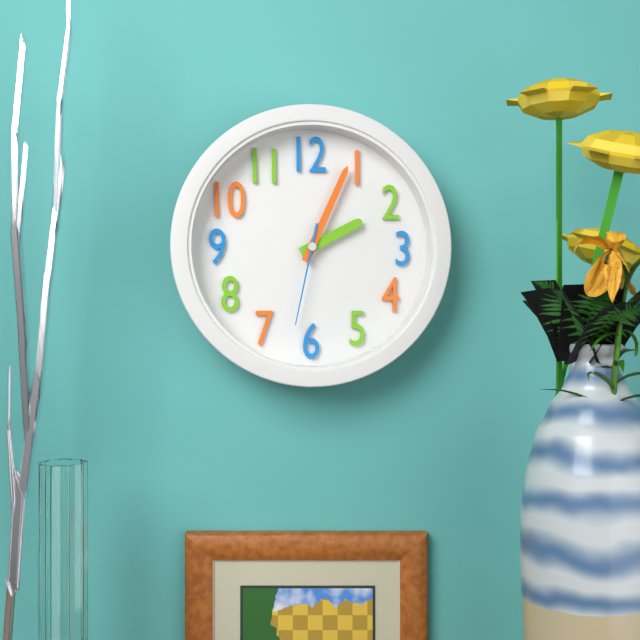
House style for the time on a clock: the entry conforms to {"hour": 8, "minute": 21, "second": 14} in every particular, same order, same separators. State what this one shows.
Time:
{"hour": 2, "minute": 4, "second": 32}
